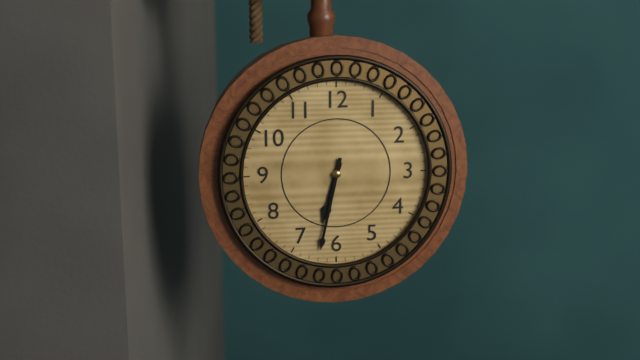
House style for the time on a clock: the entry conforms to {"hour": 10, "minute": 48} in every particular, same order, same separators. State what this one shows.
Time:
{"hour": 6, "minute": 32}
